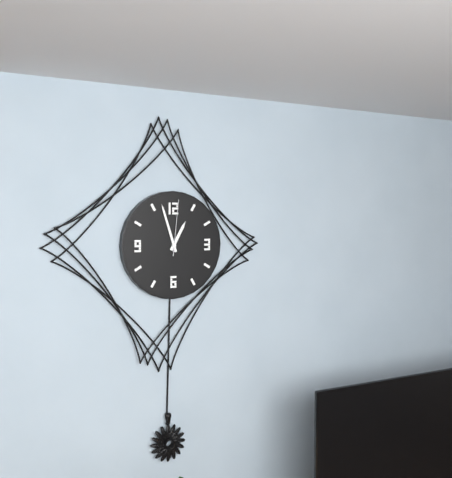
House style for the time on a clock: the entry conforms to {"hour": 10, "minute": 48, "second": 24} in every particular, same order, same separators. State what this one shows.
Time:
{"hour": 12, "minute": 57, "second": 1}
